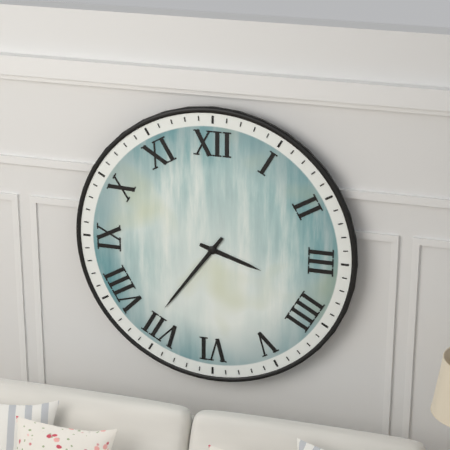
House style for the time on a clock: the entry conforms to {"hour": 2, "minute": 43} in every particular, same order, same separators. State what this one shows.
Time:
{"hour": 3, "minute": 36}
